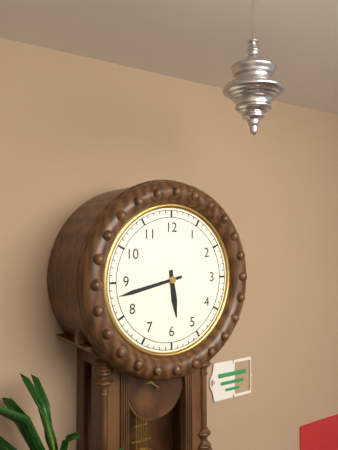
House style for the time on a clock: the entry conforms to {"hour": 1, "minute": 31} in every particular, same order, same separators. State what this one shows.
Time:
{"hour": 5, "minute": 43}
